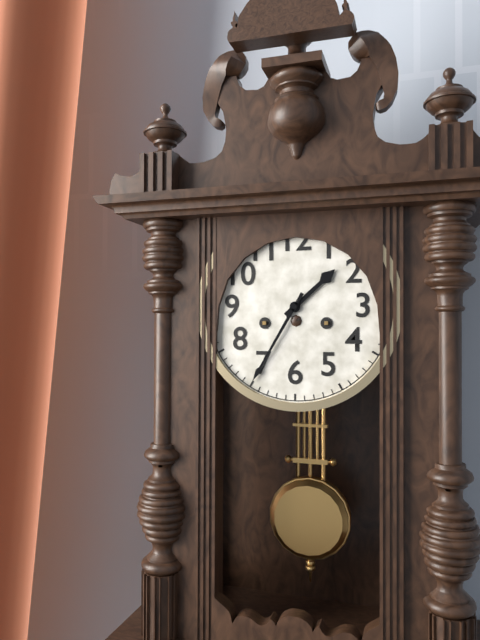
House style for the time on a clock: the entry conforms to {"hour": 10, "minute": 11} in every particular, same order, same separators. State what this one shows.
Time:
{"hour": 1, "minute": 35}
